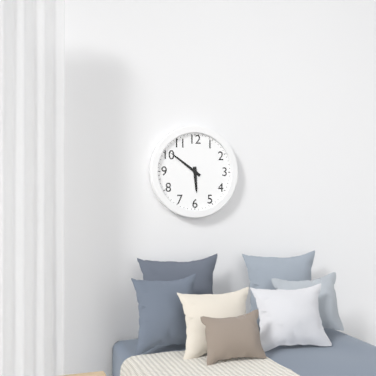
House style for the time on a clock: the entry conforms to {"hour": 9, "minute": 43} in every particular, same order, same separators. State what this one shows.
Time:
{"hour": 5, "minute": 51}
